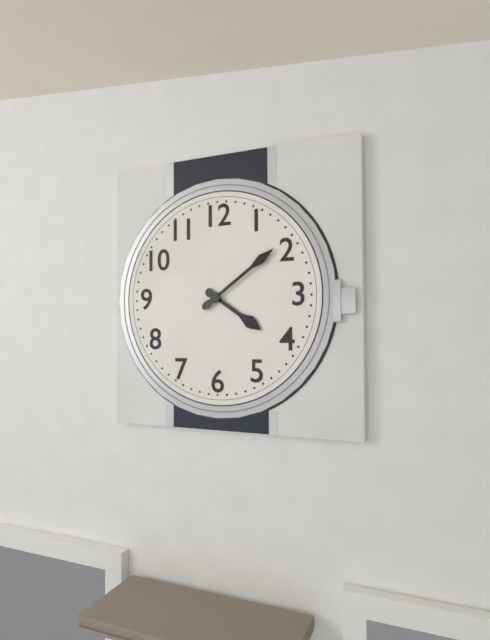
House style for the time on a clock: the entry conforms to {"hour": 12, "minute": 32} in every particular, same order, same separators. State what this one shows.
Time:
{"hour": 4, "minute": 9}
